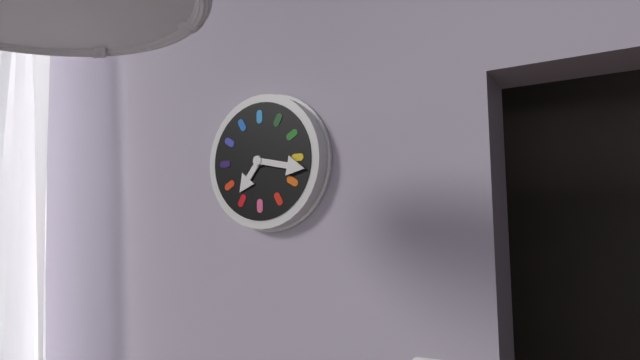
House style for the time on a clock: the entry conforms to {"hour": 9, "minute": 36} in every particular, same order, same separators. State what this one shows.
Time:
{"hour": 7, "minute": 17}
